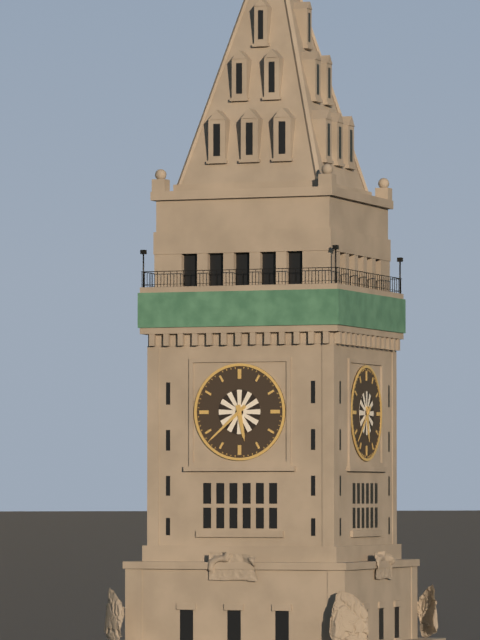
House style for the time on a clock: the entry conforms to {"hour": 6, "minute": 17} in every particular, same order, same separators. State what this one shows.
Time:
{"hour": 5, "minute": 38}
